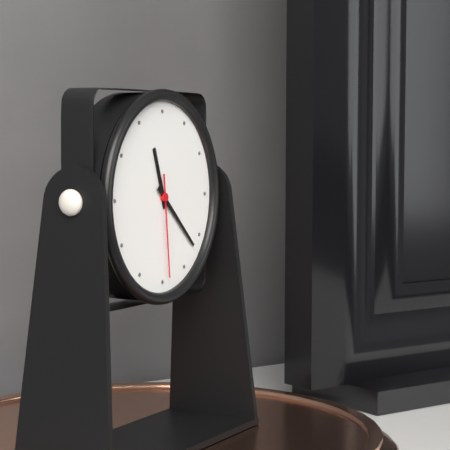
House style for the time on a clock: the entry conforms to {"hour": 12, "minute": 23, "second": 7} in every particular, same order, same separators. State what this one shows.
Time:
{"hour": 11, "minute": 22, "second": 29}
